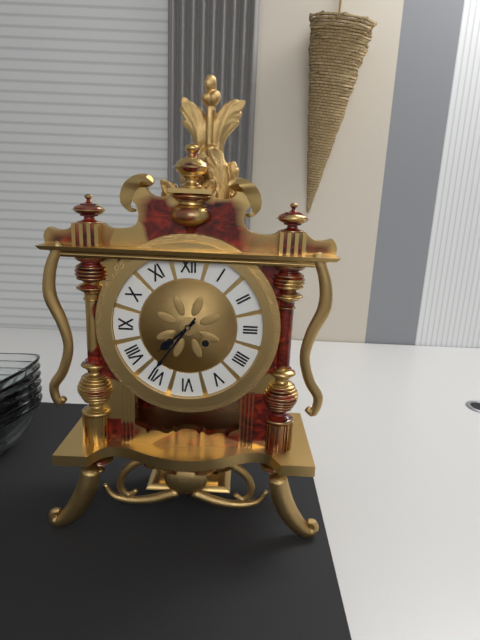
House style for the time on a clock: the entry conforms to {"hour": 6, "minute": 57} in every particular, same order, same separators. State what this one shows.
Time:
{"hour": 7, "minute": 36}
